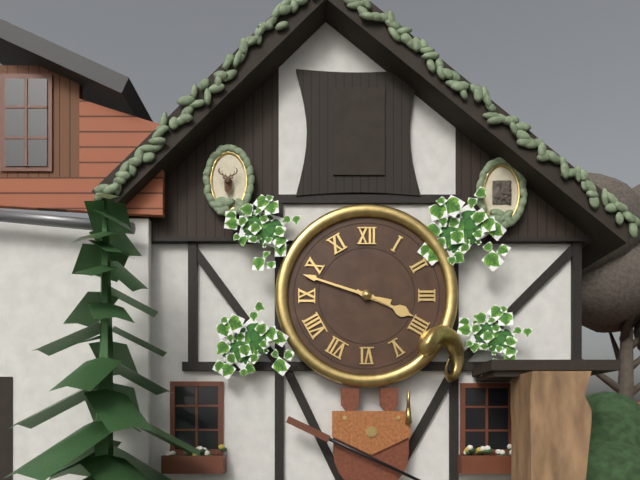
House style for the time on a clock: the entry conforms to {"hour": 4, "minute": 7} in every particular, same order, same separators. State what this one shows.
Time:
{"hour": 3, "minute": 48}
